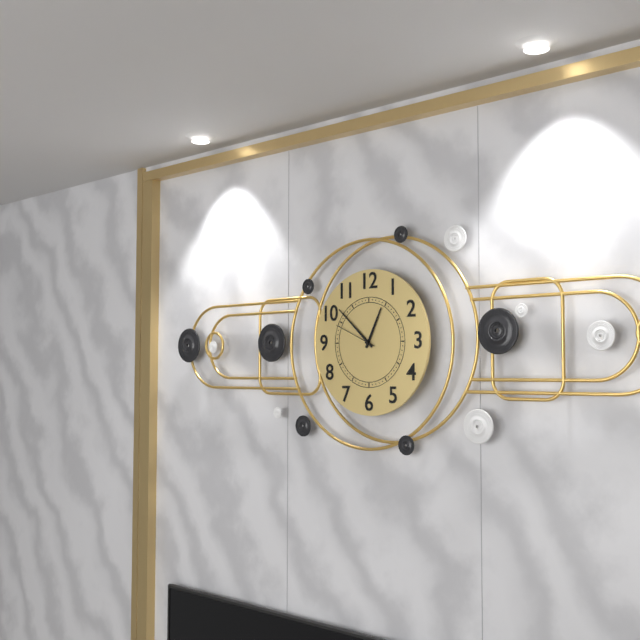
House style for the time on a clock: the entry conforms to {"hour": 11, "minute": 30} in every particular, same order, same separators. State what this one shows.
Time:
{"hour": 12, "minute": 52}
